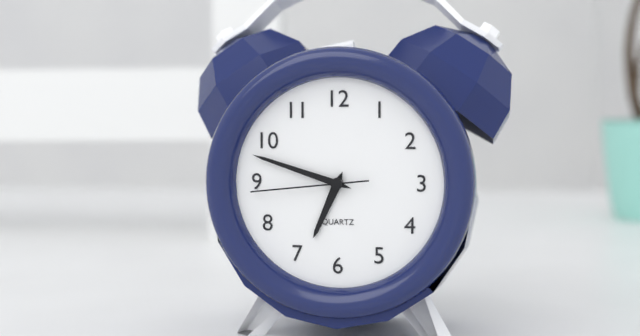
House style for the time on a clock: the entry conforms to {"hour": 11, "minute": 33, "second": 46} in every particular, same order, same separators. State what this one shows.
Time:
{"hour": 6, "minute": 48, "second": 44}
